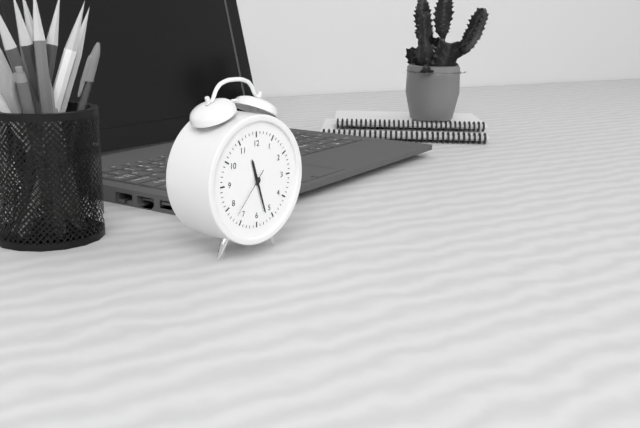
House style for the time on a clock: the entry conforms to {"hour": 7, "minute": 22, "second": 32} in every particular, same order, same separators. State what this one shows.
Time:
{"hour": 11, "minute": 27, "second": 37}
